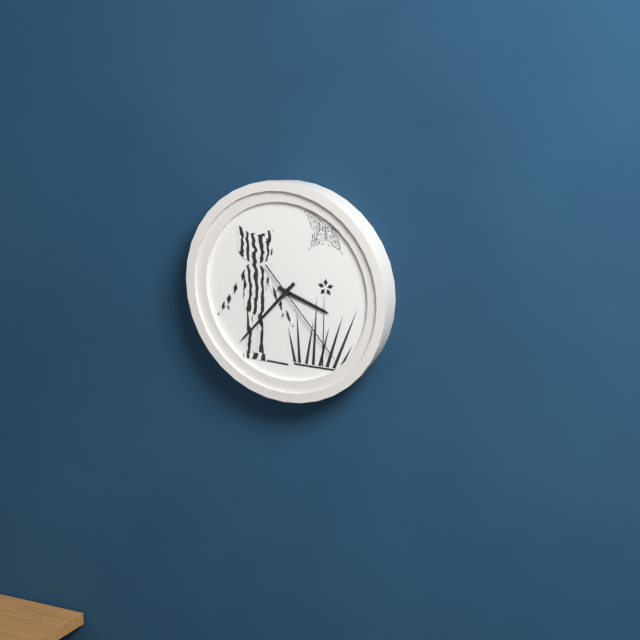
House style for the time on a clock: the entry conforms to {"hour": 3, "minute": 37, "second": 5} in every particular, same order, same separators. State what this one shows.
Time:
{"hour": 3, "minute": 37, "second": 23}
